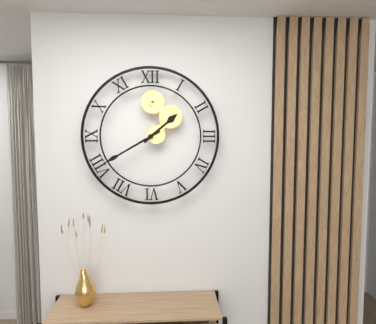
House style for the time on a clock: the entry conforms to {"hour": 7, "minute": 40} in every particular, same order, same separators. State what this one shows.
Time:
{"hour": 1, "minute": 40}
